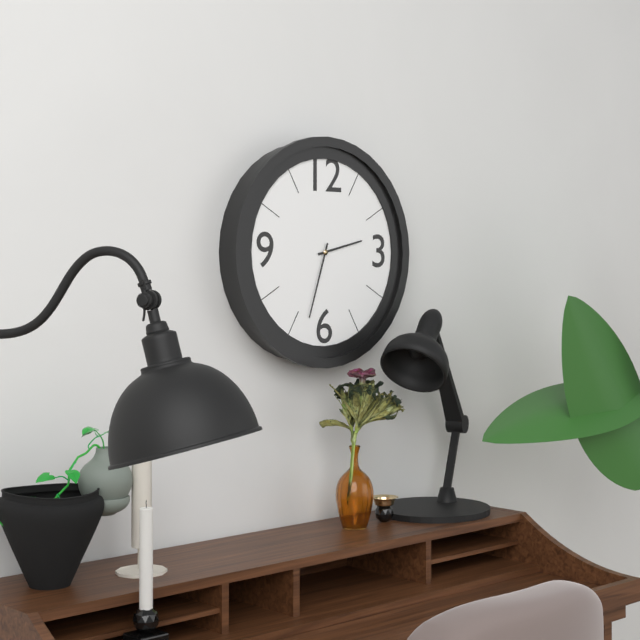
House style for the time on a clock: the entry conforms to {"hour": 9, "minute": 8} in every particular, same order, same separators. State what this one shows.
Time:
{"hour": 2, "minute": 33}
